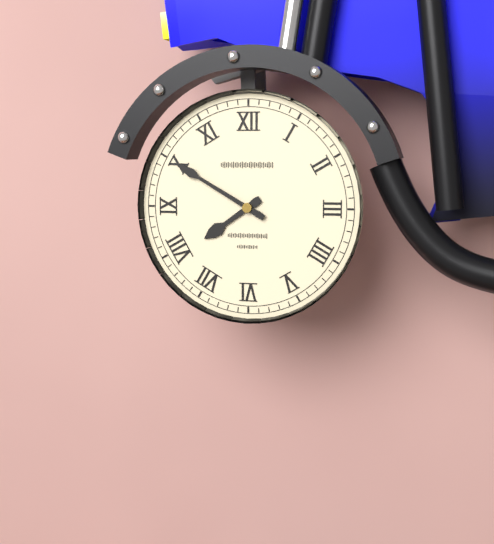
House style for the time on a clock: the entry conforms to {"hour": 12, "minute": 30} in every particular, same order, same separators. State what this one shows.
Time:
{"hour": 7, "minute": 50}
